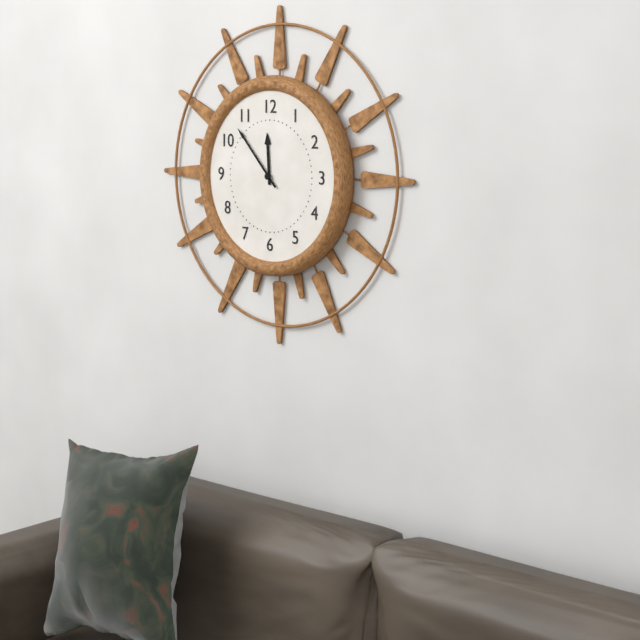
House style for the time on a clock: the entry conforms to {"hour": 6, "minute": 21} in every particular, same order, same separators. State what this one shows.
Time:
{"hour": 11, "minute": 53}
